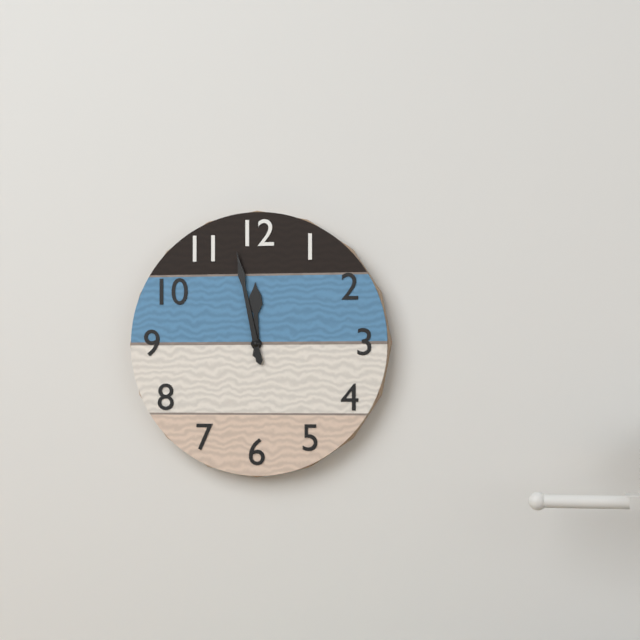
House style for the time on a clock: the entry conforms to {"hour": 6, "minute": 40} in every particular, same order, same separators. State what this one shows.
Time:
{"hour": 11, "minute": 58}
